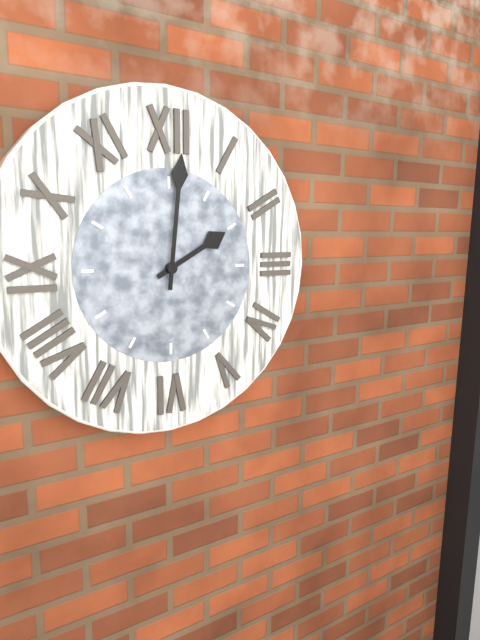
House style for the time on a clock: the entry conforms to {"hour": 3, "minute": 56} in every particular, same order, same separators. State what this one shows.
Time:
{"hour": 2, "minute": 1}
